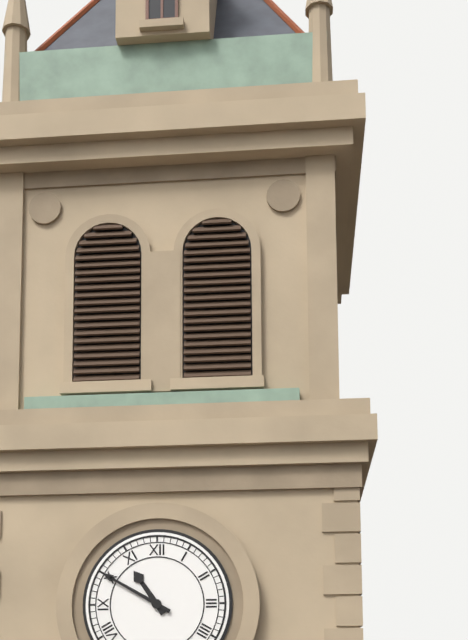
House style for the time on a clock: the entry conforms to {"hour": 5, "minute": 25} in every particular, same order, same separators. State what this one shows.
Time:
{"hour": 10, "minute": 50}
